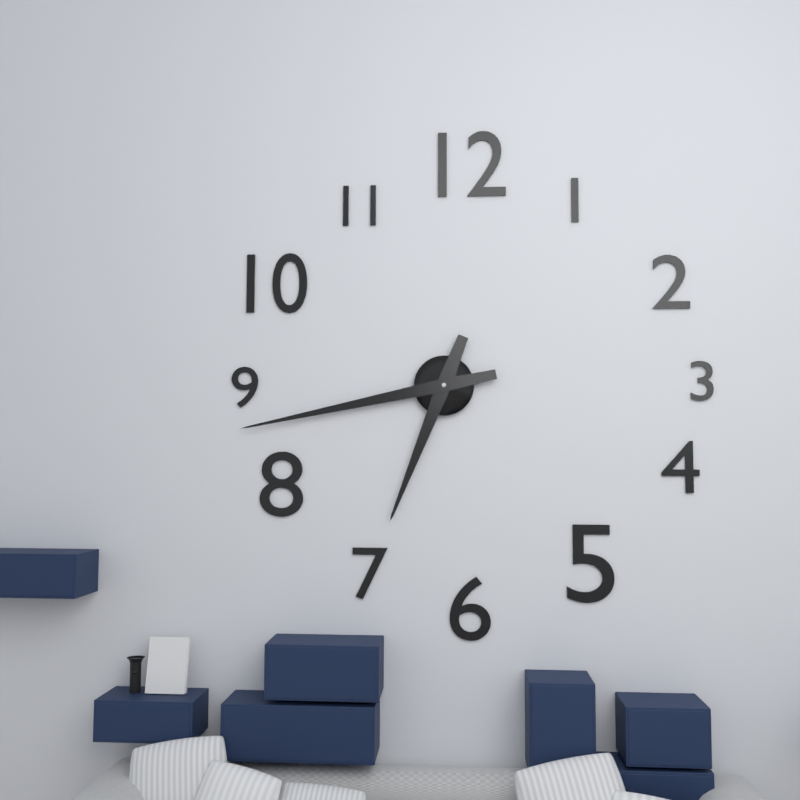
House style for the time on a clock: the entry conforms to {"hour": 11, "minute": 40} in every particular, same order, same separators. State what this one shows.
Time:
{"hour": 6, "minute": 43}
